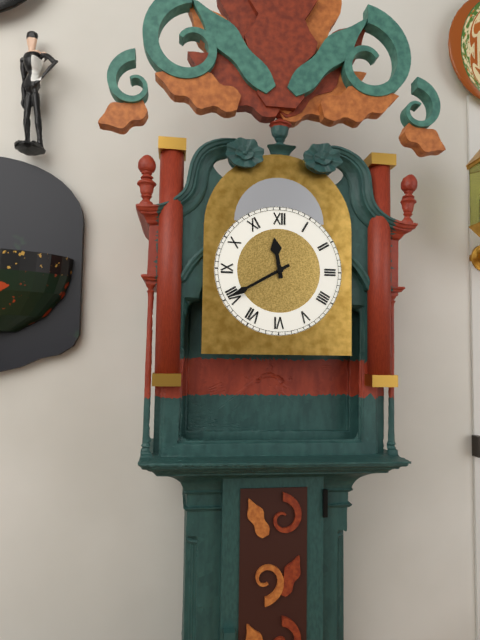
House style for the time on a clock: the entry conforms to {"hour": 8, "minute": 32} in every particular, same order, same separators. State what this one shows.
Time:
{"hour": 11, "minute": 40}
